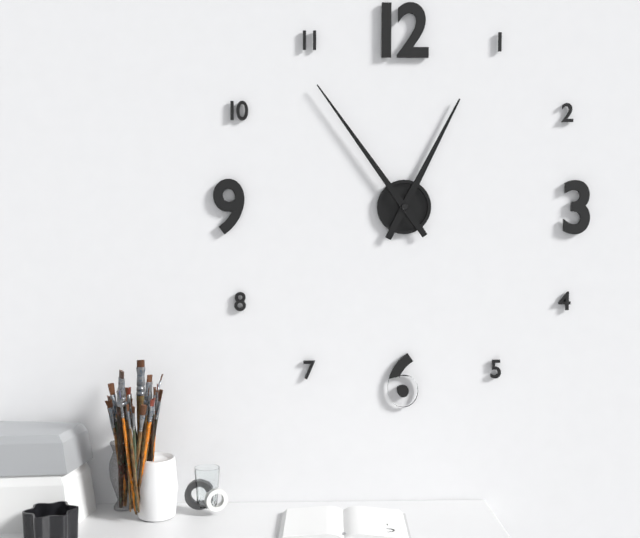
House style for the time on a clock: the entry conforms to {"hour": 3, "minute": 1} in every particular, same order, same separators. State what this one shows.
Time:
{"hour": 12, "minute": 54}
